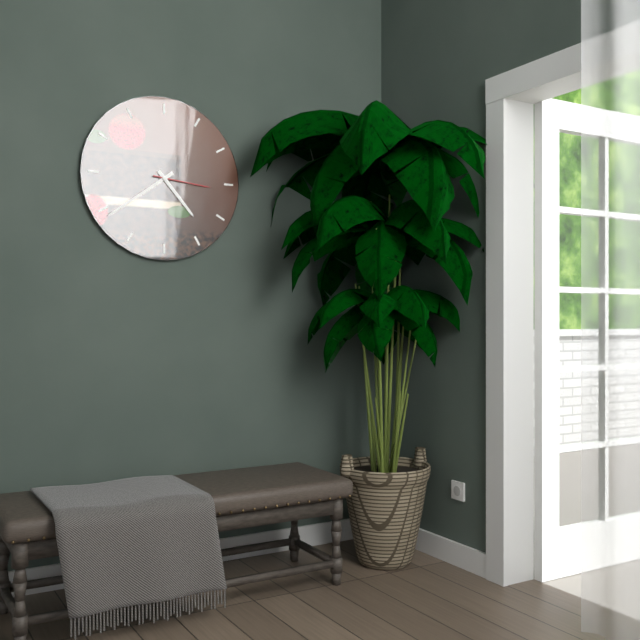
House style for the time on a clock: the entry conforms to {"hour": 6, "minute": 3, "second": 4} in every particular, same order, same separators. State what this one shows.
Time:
{"hour": 4, "minute": 39, "second": 16}
